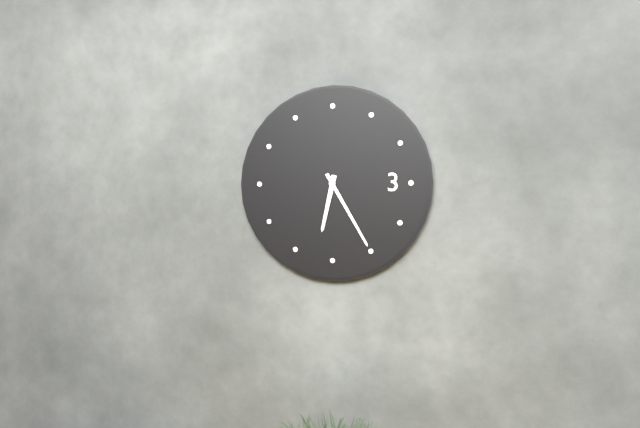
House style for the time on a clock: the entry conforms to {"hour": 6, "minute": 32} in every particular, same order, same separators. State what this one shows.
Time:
{"hour": 6, "minute": 25}
